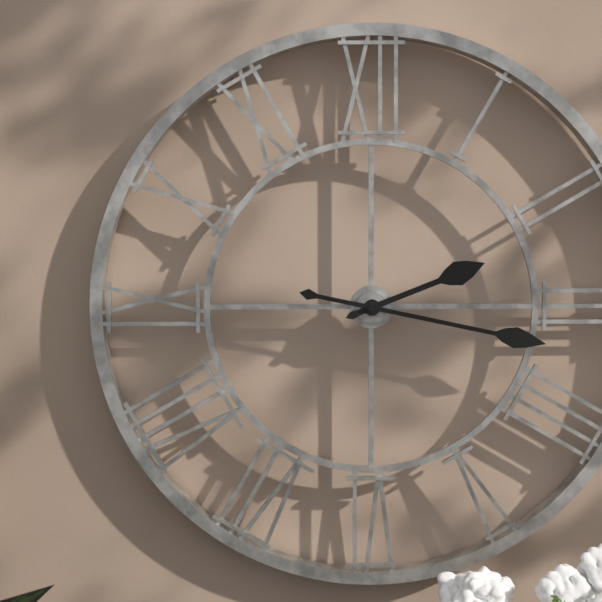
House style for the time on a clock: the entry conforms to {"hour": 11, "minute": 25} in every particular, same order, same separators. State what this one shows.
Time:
{"hour": 2, "minute": 17}
